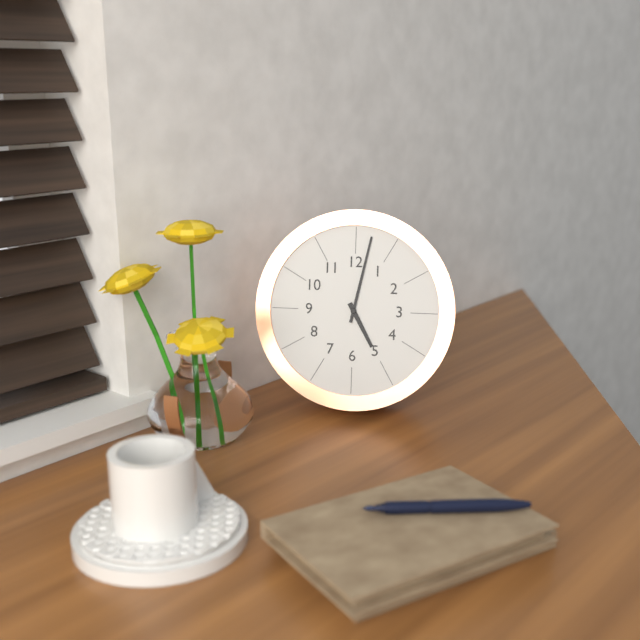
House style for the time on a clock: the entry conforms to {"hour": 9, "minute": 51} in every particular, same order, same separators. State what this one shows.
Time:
{"hour": 5, "minute": 2}
